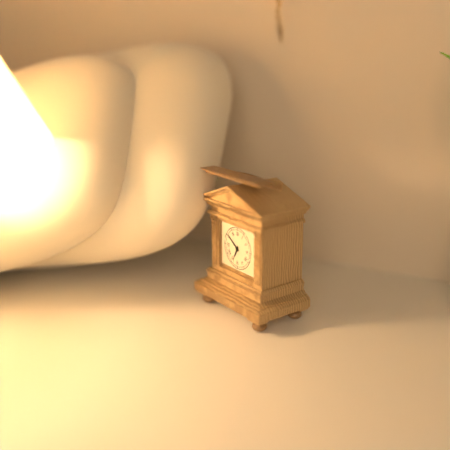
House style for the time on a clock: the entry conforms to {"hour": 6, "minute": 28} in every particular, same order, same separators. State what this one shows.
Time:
{"hour": 6, "minute": 51}
